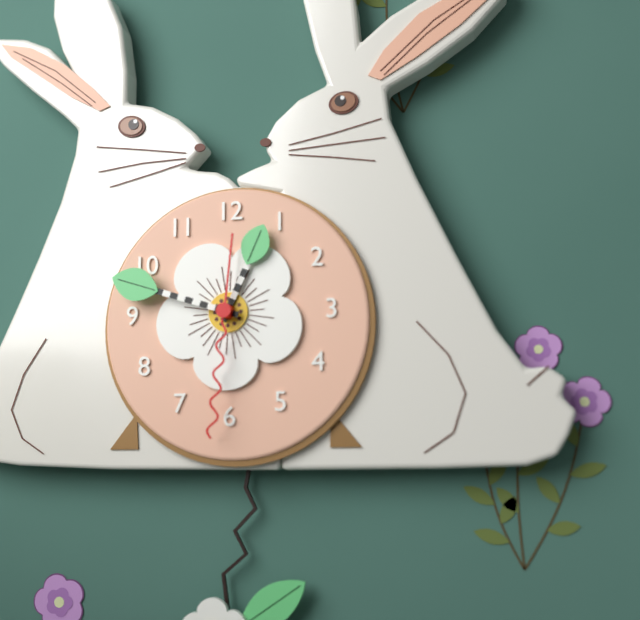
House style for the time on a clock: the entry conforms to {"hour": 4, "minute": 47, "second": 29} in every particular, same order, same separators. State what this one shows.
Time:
{"hour": 12, "minute": 48, "second": 31}
